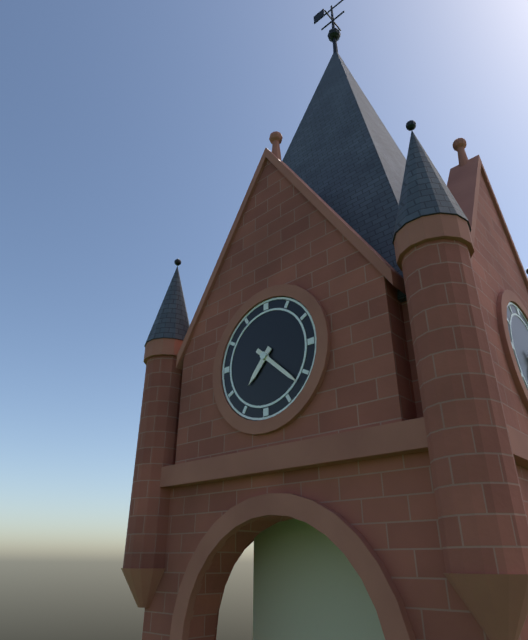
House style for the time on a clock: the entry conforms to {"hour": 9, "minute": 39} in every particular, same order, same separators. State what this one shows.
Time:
{"hour": 7, "minute": 22}
